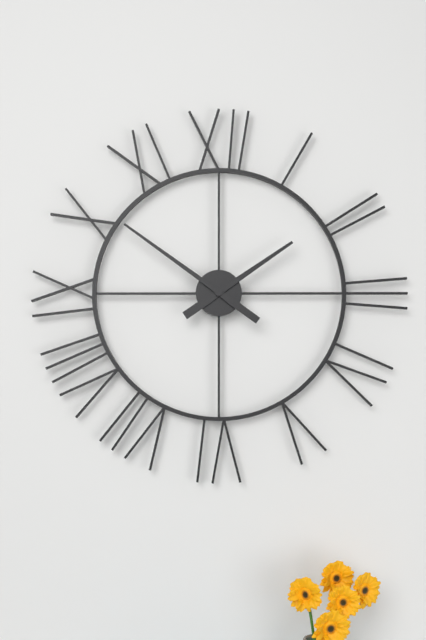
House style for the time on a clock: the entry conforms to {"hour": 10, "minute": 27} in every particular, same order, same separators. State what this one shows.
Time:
{"hour": 1, "minute": 51}
